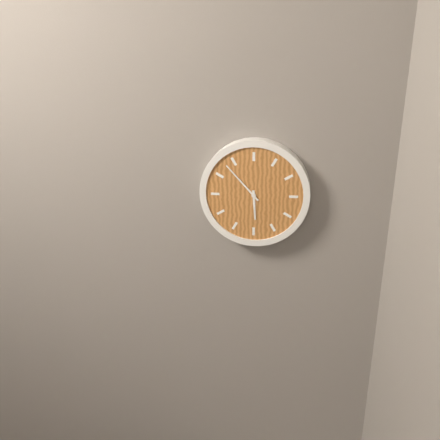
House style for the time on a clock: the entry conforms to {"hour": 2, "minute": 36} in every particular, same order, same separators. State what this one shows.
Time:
{"hour": 5, "minute": 53}
